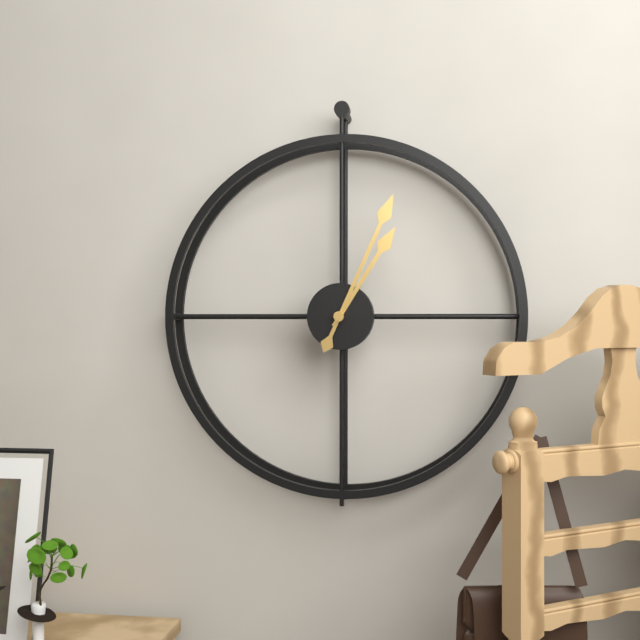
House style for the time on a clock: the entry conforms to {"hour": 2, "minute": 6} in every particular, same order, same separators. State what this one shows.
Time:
{"hour": 1, "minute": 4}
